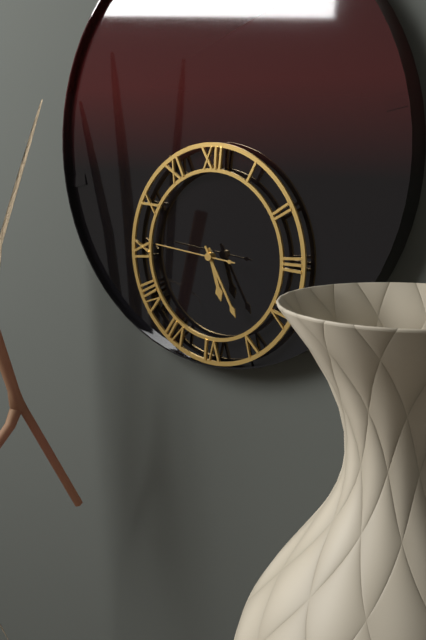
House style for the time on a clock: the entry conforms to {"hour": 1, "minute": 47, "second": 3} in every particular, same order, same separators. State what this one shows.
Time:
{"hour": 5, "minute": 25, "second": 46}
